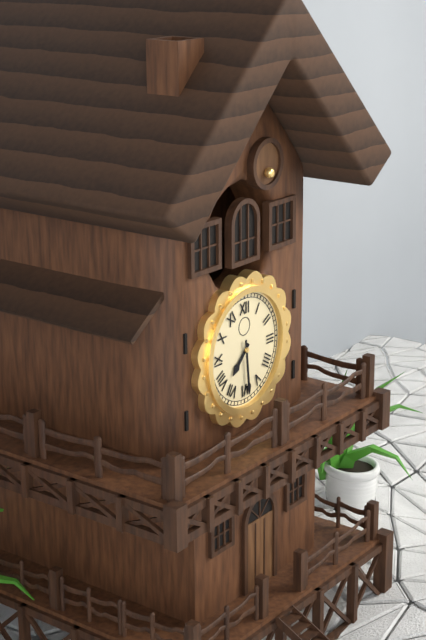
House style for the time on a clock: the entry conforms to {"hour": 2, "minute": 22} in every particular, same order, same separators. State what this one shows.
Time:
{"hour": 7, "minute": 29}
